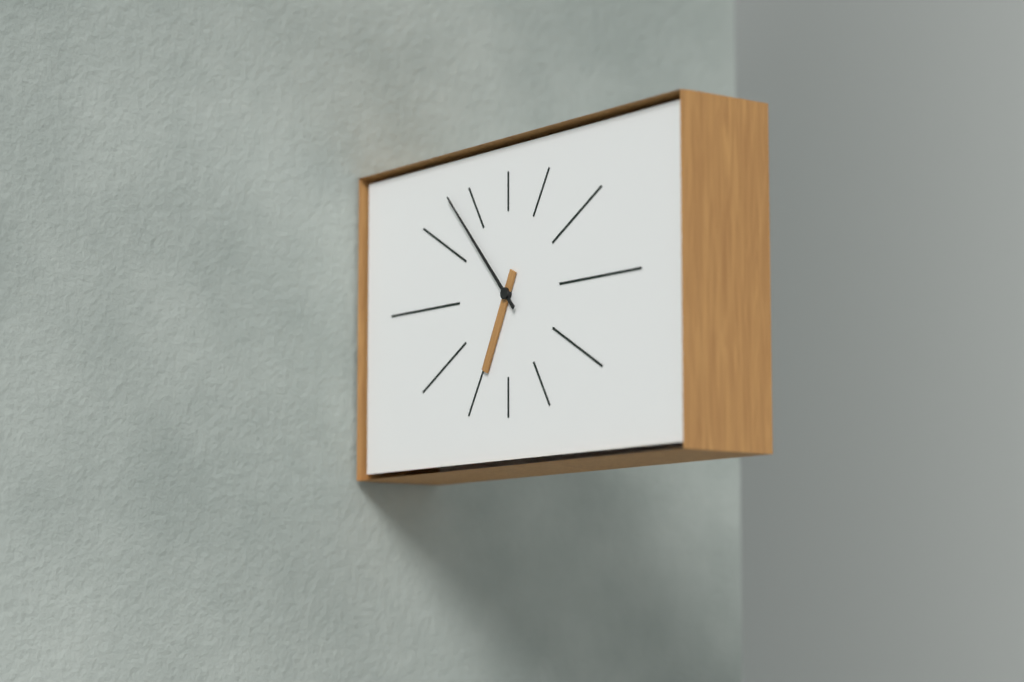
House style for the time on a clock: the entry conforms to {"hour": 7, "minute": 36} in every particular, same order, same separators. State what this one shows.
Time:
{"hour": 6, "minute": 53}
